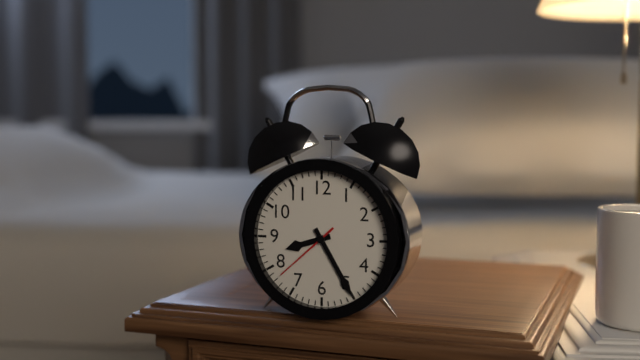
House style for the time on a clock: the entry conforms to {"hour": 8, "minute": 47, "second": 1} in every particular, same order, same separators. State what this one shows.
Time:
{"hour": 8, "minute": 25, "second": 38}
